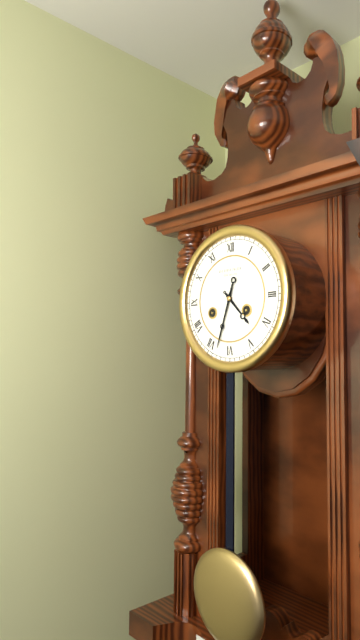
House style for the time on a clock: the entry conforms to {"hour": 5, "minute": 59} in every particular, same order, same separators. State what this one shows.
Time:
{"hour": 4, "minute": 33}
